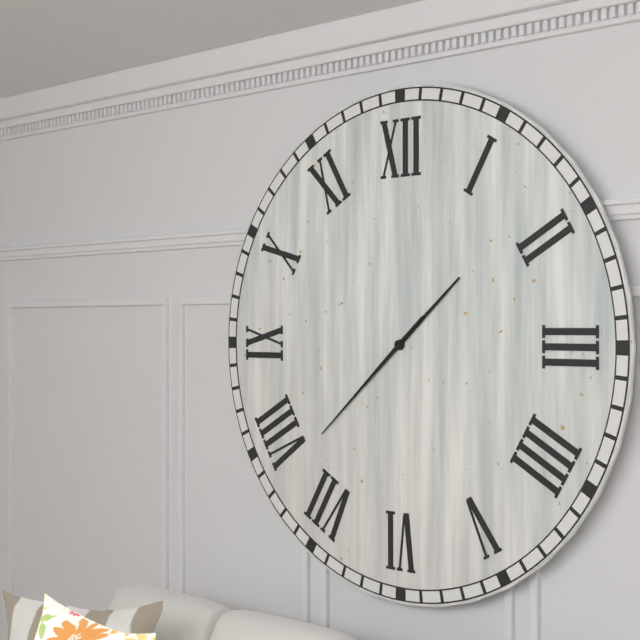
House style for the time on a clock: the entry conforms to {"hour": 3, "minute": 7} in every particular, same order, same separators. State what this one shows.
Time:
{"hour": 1, "minute": 38}
